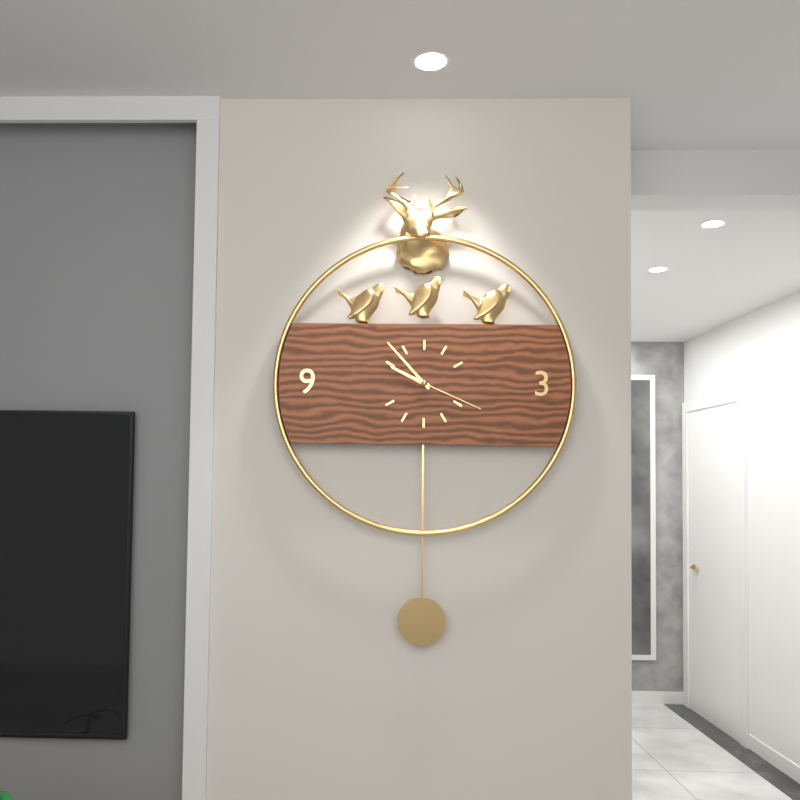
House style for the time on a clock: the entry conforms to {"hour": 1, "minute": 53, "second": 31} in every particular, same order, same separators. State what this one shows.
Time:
{"hour": 9, "minute": 53, "second": 19}
